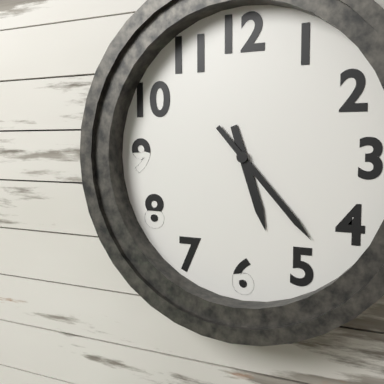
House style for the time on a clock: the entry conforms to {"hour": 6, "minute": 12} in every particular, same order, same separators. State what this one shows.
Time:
{"hour": 5, "minute": 23}
